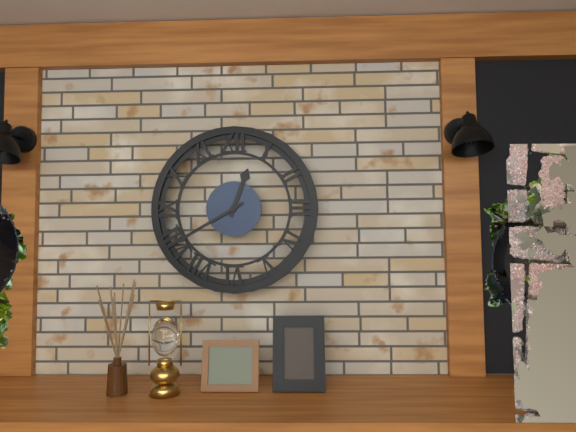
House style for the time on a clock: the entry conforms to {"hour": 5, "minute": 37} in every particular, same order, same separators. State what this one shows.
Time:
{"hour": 12, "minute": 40}
